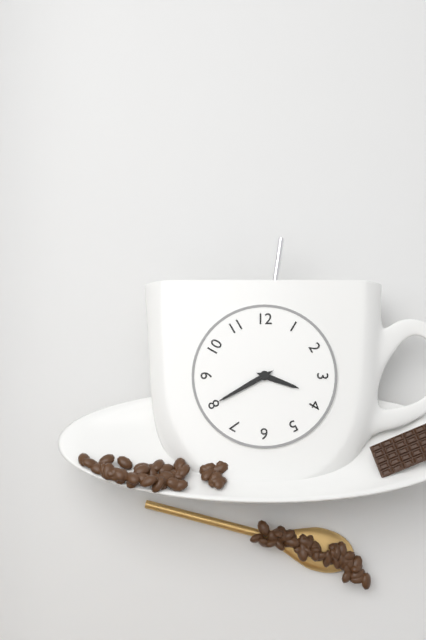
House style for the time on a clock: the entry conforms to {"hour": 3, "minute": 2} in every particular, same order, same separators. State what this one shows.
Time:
{"hour": 3, "minute": 40}
